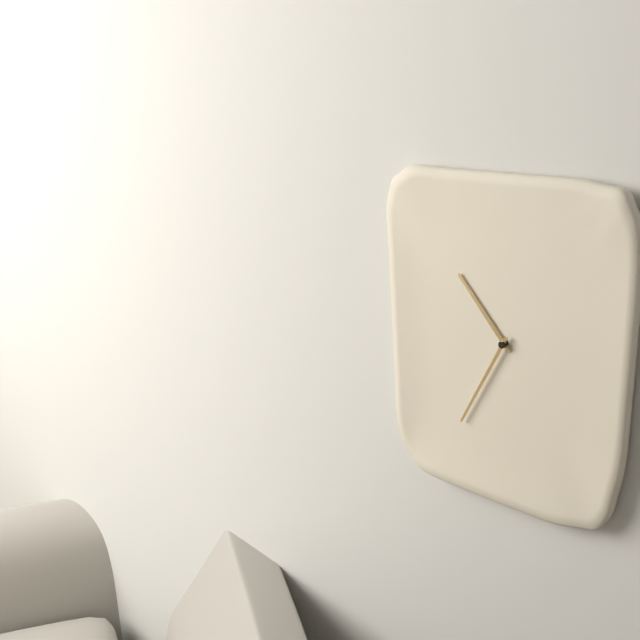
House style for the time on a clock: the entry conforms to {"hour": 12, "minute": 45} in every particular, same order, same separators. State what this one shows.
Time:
{"hour": 10, "minute": 35}
